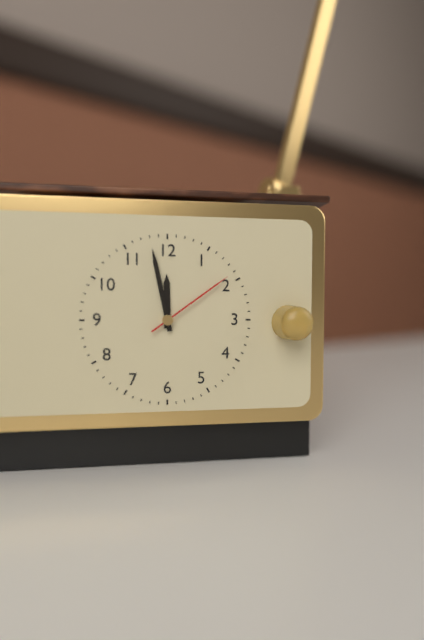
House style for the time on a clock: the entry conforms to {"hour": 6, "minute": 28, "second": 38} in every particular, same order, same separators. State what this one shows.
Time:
{"hour": 11, "minute": 58, "second": 9}
